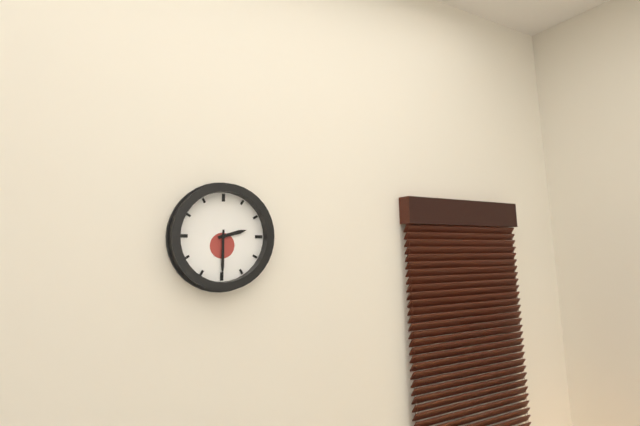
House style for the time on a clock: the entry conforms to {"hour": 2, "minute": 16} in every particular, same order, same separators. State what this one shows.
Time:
{"hour": 2, "minute": 30}
